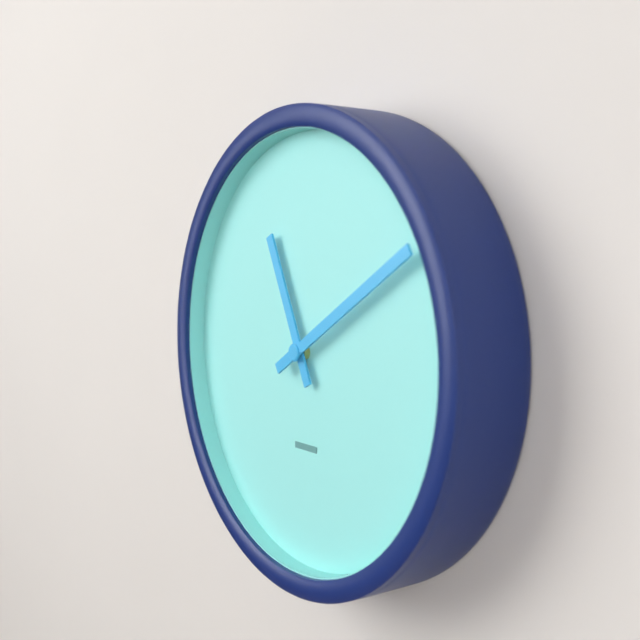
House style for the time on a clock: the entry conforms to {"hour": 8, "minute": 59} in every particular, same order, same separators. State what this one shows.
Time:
{"hour": 11, "minute": 10}
